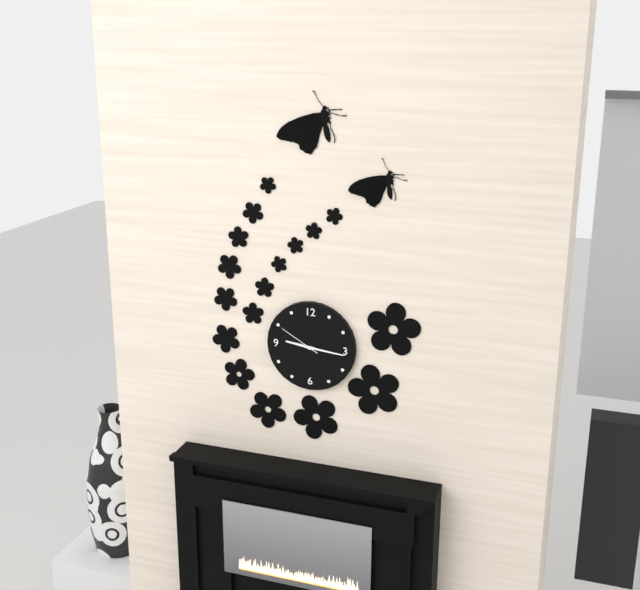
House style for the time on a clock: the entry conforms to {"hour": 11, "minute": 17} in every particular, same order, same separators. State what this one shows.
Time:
{"hour": 9, "minute": 16}
